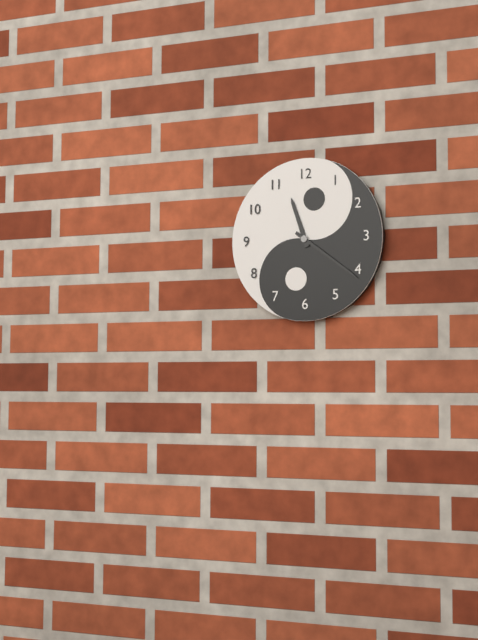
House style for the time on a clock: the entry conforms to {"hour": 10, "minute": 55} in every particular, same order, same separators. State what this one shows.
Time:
{"hour": 11, "minute": 21}
